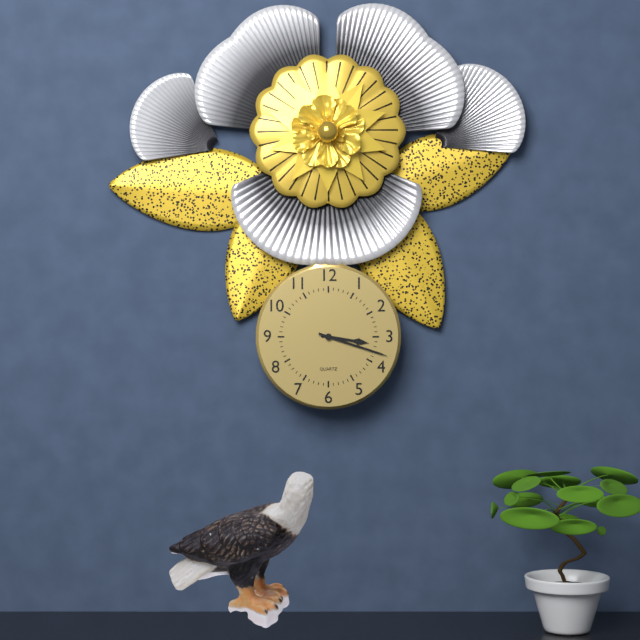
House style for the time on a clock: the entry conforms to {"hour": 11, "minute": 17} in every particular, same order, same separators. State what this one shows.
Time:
{"hour": 3, "minute": 18}
